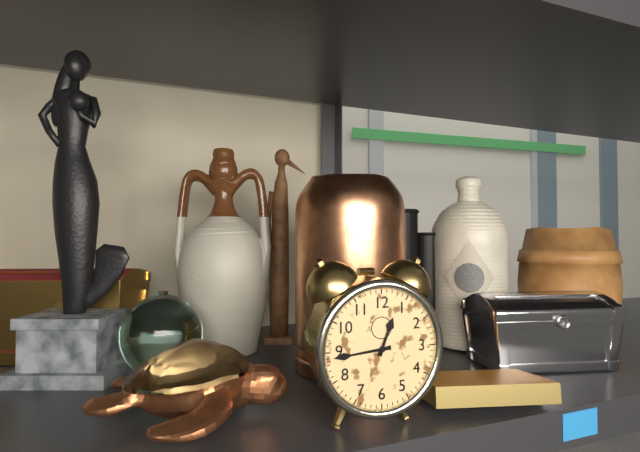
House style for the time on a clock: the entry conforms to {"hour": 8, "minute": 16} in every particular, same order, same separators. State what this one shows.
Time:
{"hour": 12, "minute": 44}
